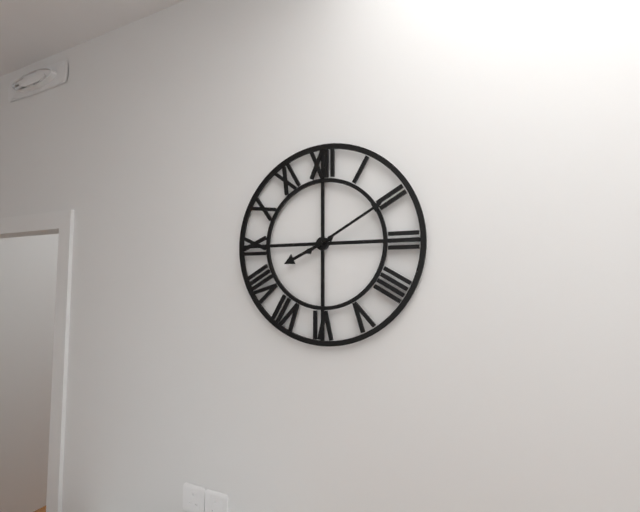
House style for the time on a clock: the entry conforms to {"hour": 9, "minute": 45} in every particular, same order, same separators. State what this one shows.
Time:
{"hour": 8, "minute": 10}
